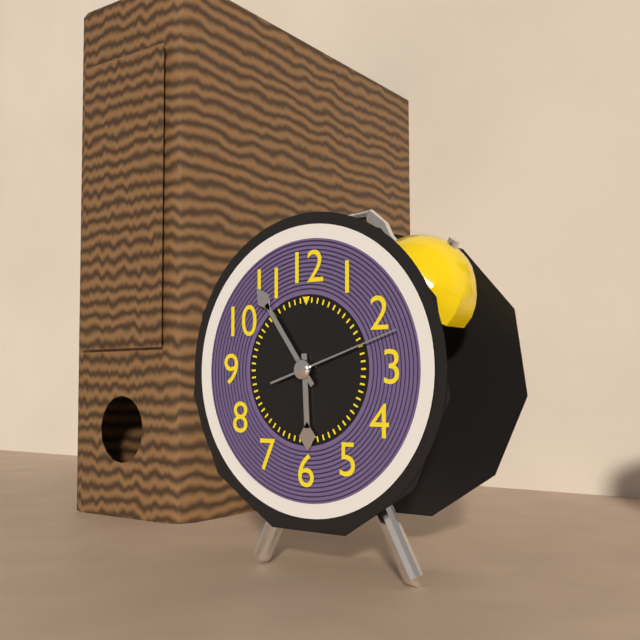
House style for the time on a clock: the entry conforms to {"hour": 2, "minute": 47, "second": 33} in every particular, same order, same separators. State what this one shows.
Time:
{"hour": 5, "minute": 54, "second": 12}
